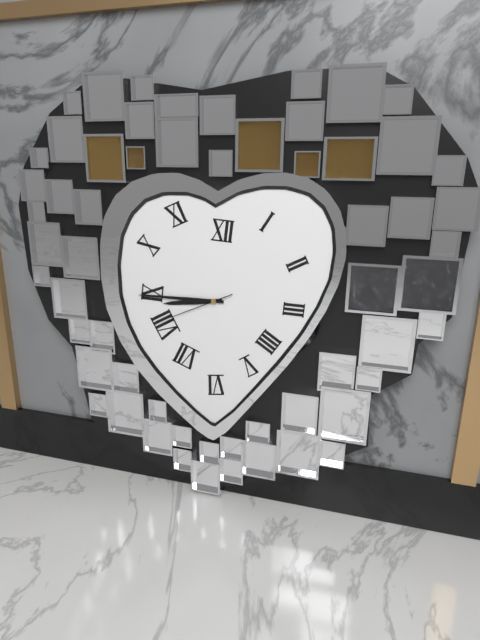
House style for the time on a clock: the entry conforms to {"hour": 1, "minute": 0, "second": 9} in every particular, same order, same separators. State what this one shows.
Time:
{"hour": 8, "minute": 45, "second": 41}
